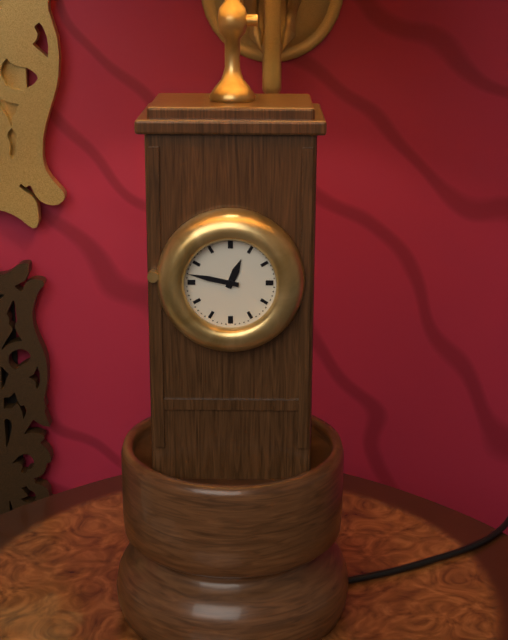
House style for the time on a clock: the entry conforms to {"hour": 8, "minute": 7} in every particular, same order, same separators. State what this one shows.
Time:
{"hour": 12, "minute": 47}
